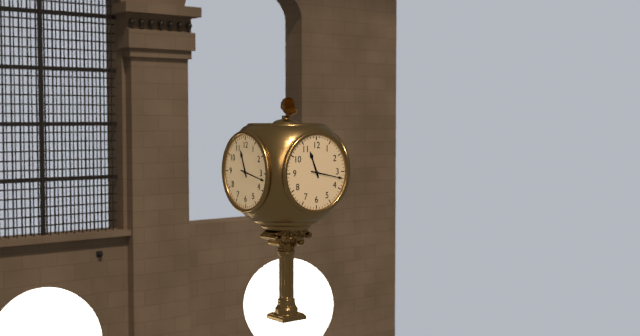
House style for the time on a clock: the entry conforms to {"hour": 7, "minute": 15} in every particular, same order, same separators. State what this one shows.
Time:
{"hour": 11, "minute": 17}
